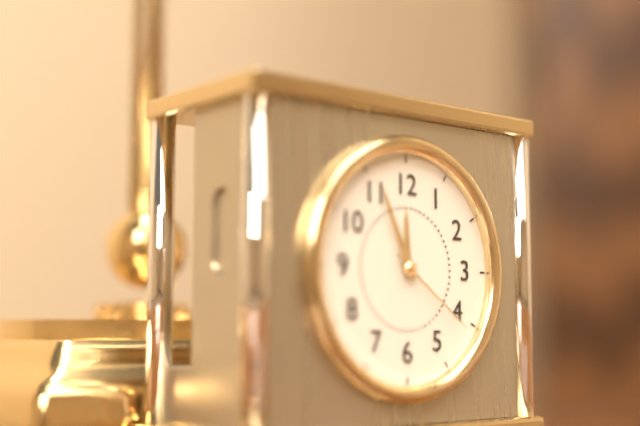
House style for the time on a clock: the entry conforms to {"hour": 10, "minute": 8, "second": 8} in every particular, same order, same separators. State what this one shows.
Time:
{"hour": 11, "minute": 56, "second": 21}
